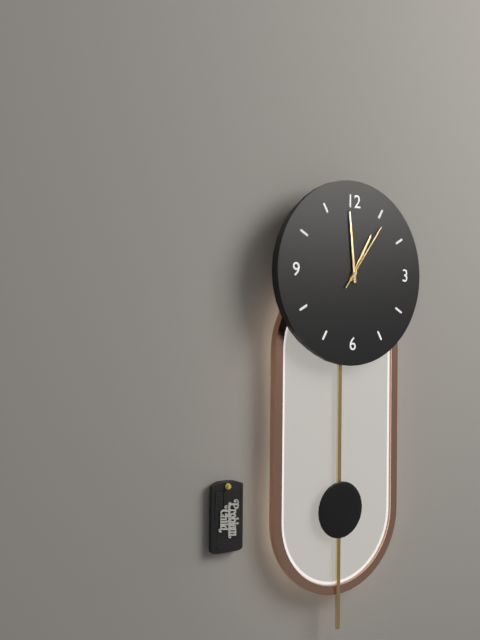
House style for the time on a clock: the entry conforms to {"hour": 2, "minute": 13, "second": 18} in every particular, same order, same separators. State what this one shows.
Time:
{"hour": 12, "minute": 59, "second": 6}
